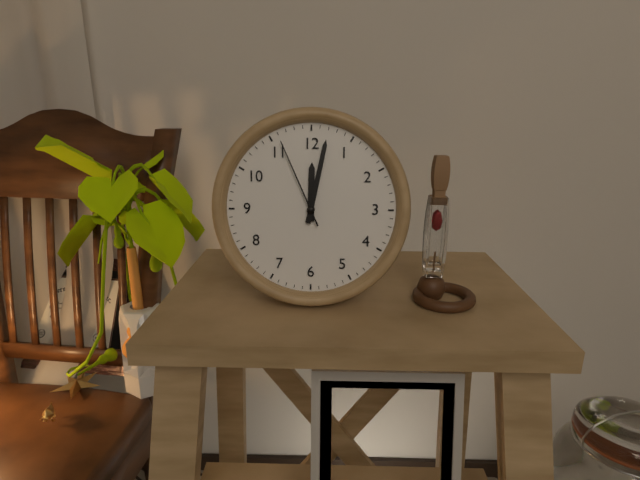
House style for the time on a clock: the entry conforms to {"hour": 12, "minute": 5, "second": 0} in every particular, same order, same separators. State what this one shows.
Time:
{"hour": 12, "minute": 2, "second": 56}
